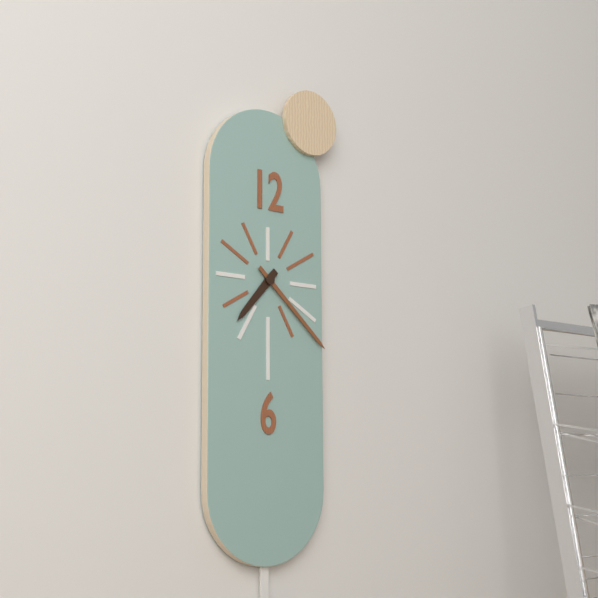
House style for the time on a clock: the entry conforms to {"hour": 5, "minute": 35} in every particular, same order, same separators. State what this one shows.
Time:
{"hour": 7, "minute": 22}
